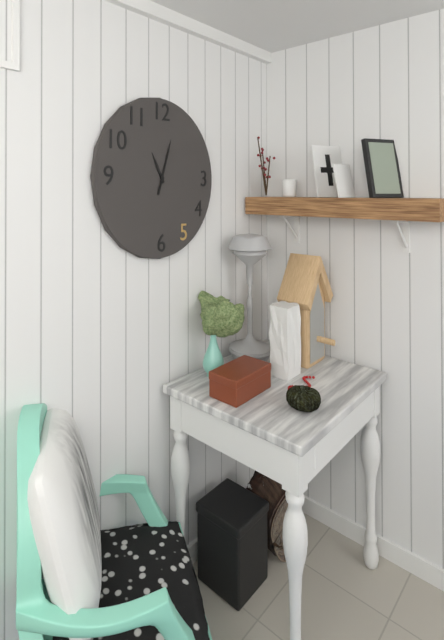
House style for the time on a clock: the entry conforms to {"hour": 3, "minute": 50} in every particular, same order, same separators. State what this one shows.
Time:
{"hour": 11, "minute": 3}
